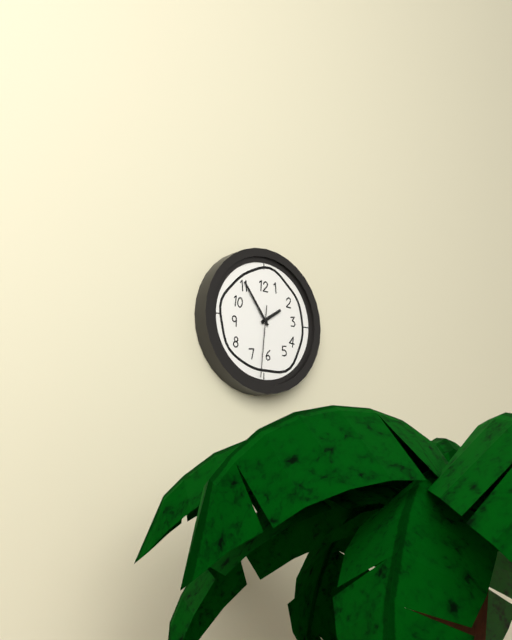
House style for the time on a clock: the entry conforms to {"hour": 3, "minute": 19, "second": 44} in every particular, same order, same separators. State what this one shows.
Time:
{"hour": 1, "minute": 54, "second": 31}
